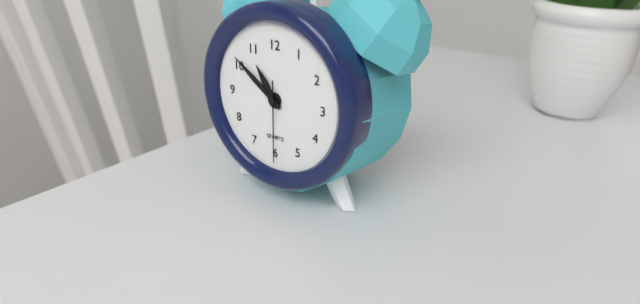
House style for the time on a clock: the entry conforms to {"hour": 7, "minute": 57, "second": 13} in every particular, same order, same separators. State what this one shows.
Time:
{"hour": 10, "minute": 51, "second": 30}
